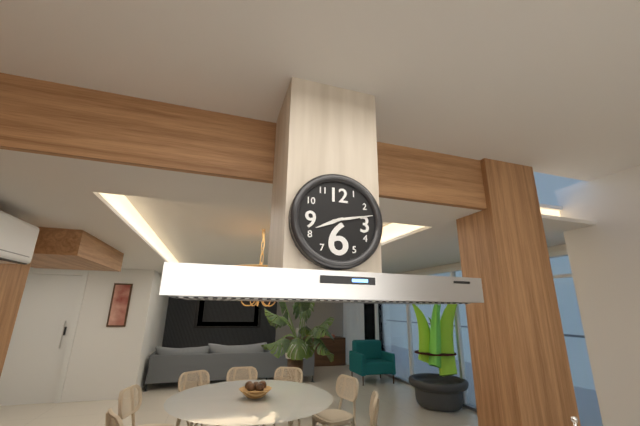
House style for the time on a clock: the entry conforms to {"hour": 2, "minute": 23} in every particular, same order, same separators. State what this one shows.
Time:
{"hour": 8, "minute": 13}
